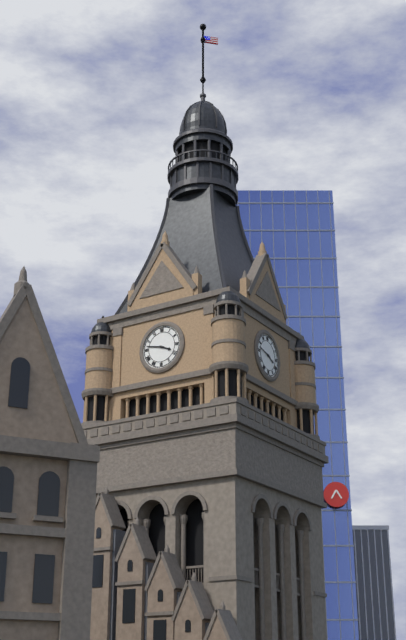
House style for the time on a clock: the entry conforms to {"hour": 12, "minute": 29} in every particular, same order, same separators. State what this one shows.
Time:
{"hour": 3, "minute": 47}
